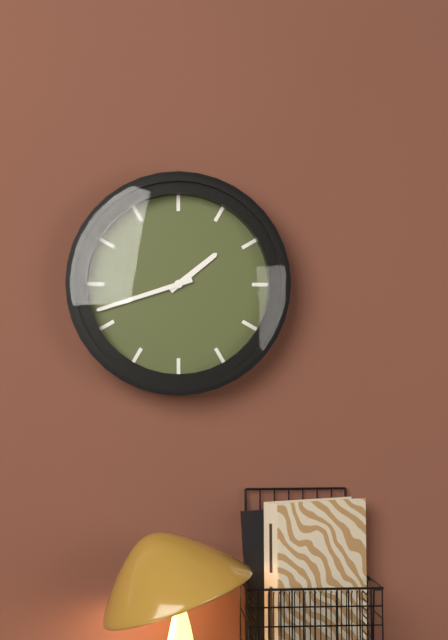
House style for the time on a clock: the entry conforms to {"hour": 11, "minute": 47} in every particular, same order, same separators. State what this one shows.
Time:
{"hour": 1, "minute": 42}
